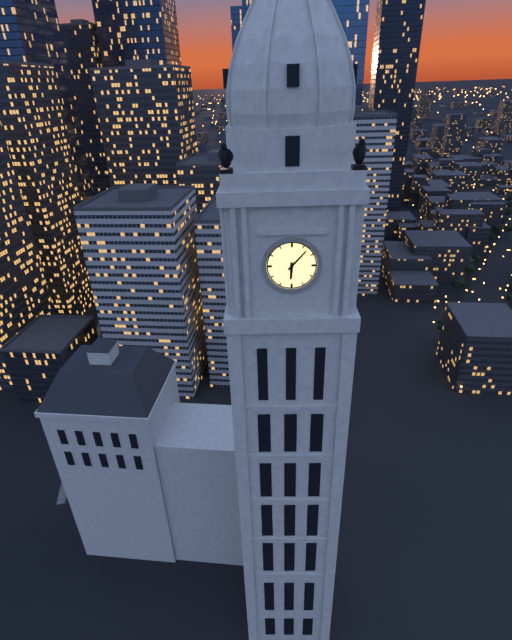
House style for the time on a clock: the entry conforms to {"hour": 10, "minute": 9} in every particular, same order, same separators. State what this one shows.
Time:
{"hour": 6, "minute": 7}
